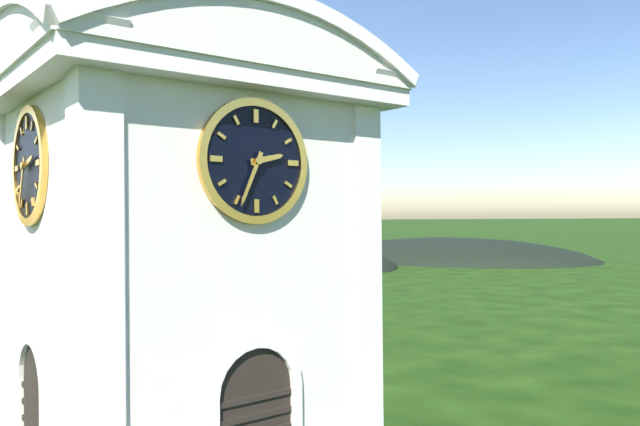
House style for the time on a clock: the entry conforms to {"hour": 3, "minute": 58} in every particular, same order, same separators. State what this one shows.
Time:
{"hour": 2, "minute": 34}
